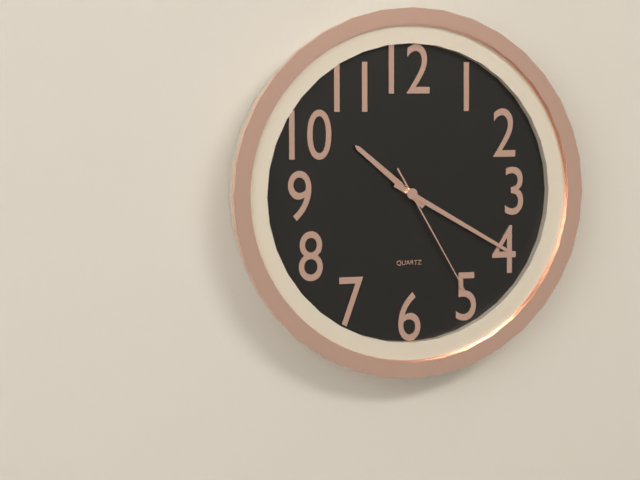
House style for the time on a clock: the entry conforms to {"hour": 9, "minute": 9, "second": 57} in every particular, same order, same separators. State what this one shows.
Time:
{"hour": 10, "minute": 20, "second": 25}
